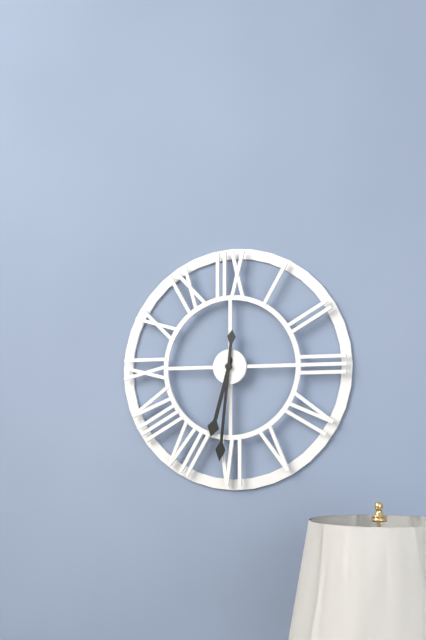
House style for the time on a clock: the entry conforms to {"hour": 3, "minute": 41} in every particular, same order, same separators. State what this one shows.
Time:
{"hour": 6, "minute": 31}
